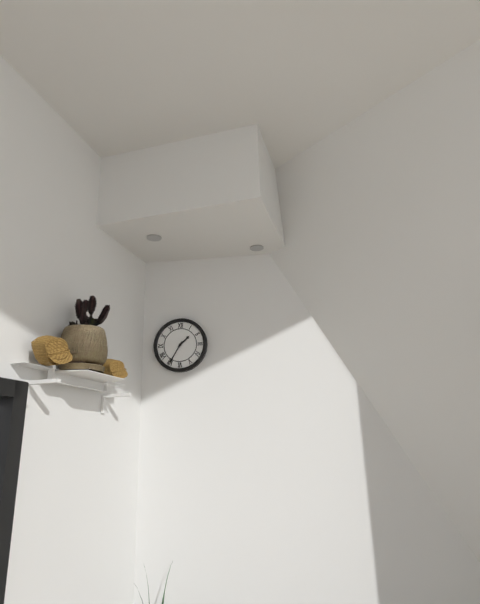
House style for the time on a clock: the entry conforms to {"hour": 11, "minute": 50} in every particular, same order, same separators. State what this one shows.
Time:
{"hour": 1, "minute": 35}
